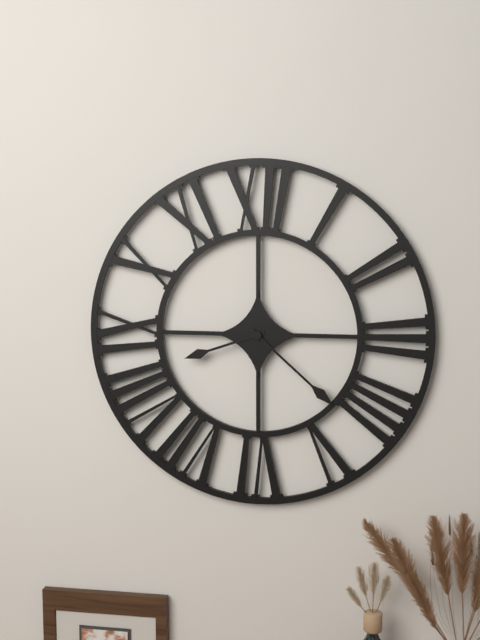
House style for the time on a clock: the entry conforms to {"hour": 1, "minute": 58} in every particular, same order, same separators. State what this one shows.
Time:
{"hour": 8, "minute": 22}
